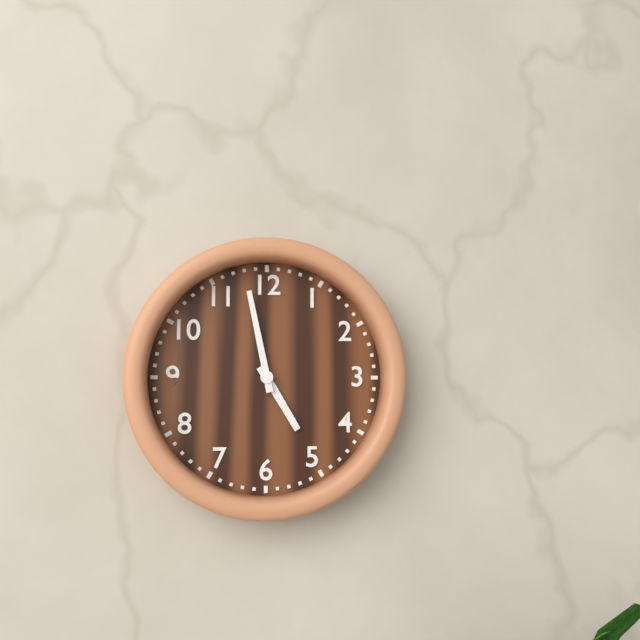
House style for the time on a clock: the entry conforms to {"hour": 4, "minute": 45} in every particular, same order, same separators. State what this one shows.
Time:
{"hour": 4, "minute": 58}
